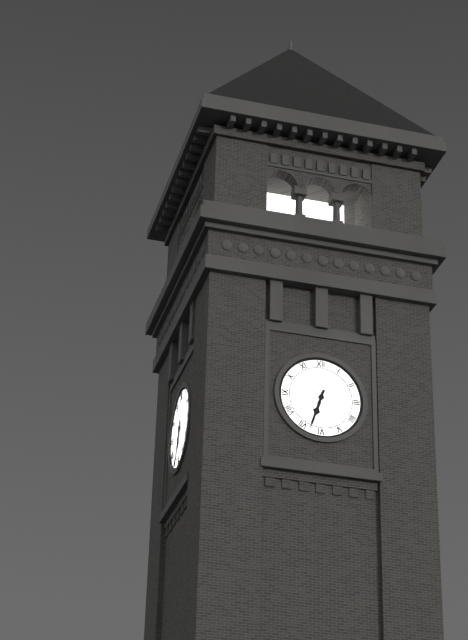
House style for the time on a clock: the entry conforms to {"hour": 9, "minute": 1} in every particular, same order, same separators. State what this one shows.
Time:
{"hour": 6, "minute": 33}
